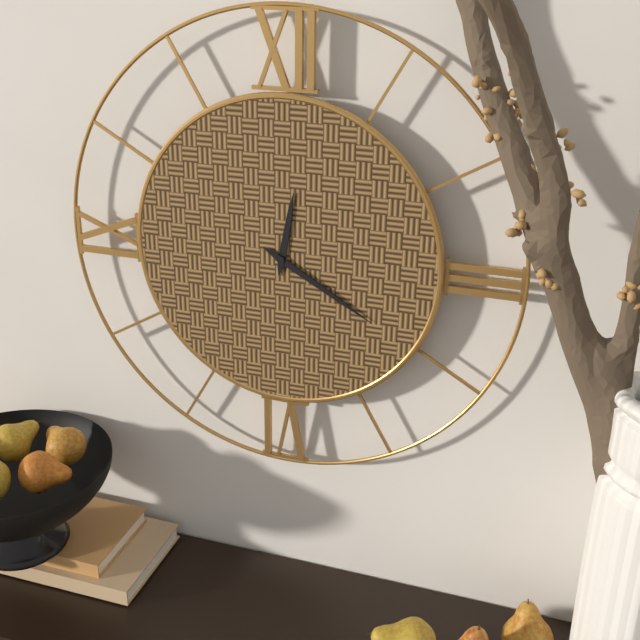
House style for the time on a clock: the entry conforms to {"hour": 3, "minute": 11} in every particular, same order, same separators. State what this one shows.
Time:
{"hour": 12, "minute": 20}
